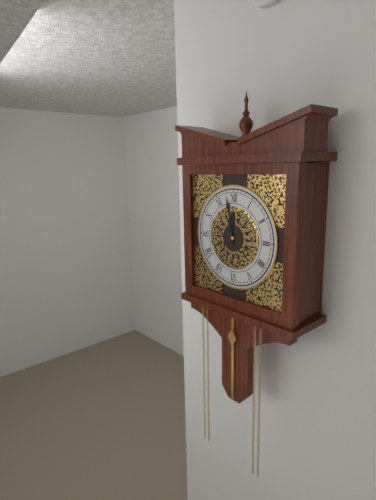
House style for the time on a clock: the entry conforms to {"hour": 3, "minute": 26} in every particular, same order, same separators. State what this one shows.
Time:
{"hour": 11, "minute": 58}
